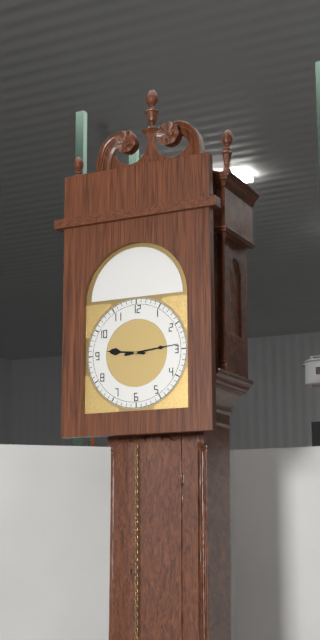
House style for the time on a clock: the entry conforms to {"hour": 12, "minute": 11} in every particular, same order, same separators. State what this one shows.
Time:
{"hour": 9, "minute": 14}
